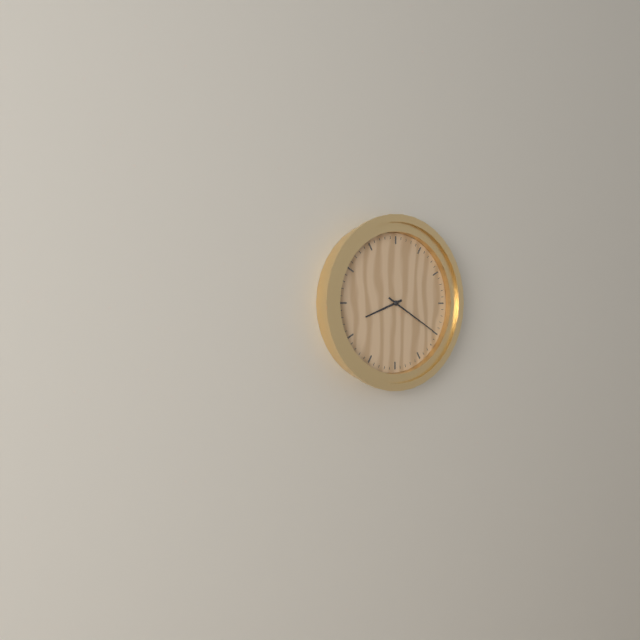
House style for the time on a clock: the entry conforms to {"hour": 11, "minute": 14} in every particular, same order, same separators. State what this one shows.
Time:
{"hour": 8, "minute": 20}
